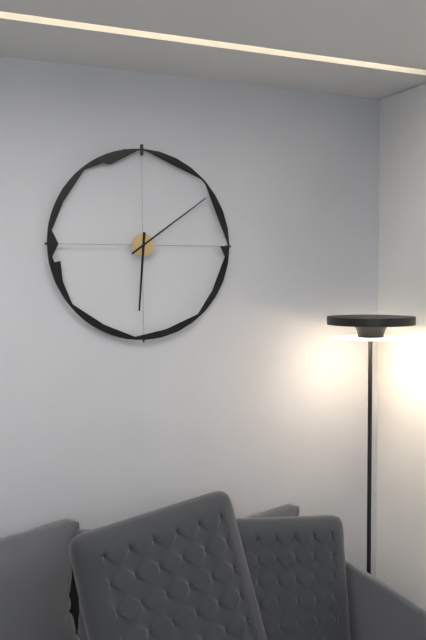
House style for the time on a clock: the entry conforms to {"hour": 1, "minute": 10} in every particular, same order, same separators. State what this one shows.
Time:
{"hour": 6, "minute": 9}
